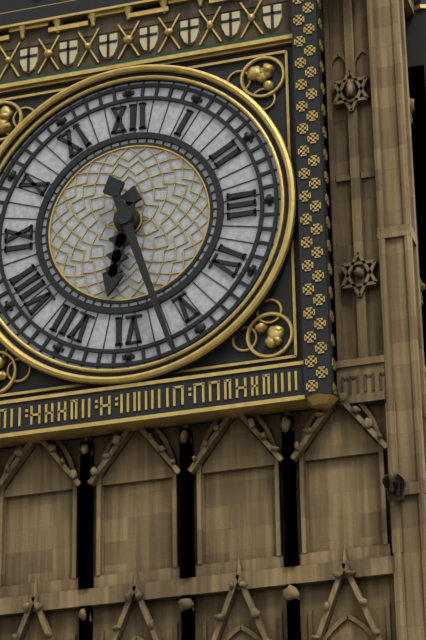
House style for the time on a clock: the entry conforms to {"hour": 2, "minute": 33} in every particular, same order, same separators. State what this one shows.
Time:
{"hour": 6, "minute": 27}
